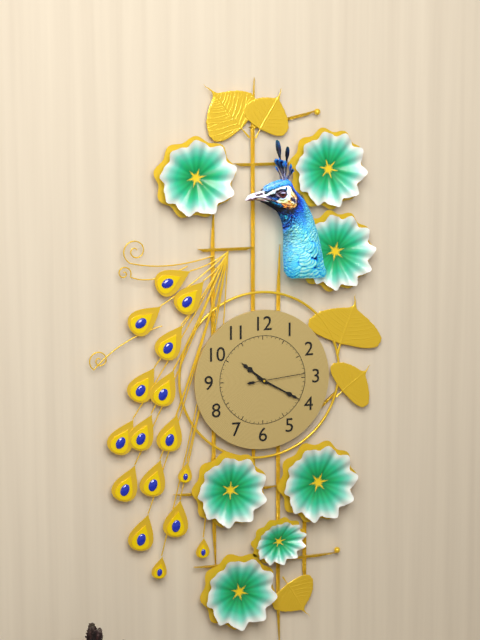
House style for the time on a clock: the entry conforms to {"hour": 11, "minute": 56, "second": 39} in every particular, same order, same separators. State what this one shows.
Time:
{"hour": 10, "minute": 20, "second": 14}
